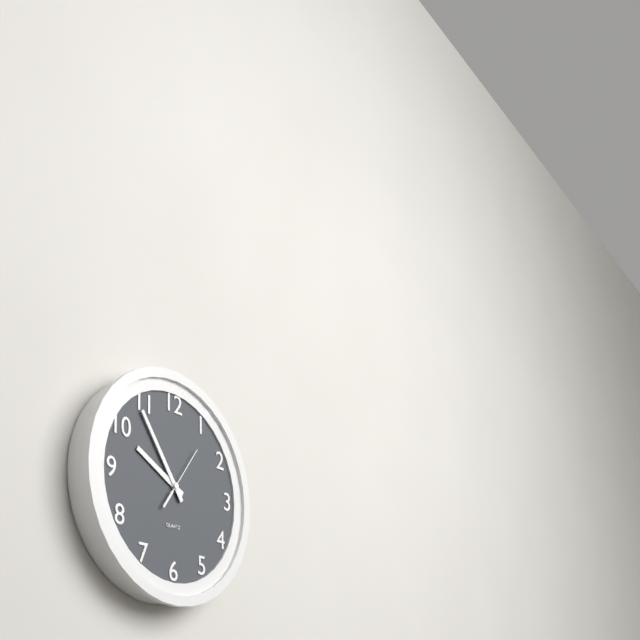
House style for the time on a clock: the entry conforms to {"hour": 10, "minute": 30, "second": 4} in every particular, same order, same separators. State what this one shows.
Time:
{"hour": 9, "minute": 54, "second": 6}
